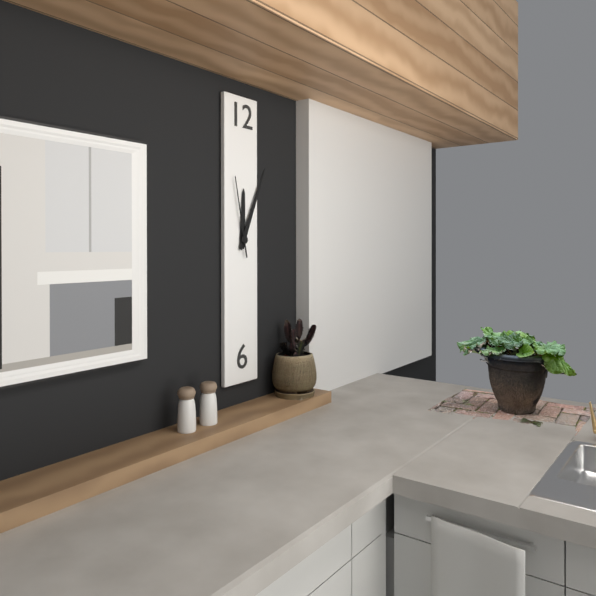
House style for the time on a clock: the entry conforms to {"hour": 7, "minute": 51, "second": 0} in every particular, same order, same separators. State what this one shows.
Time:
{"hour": 12, "minute": 4, "second": 58}
